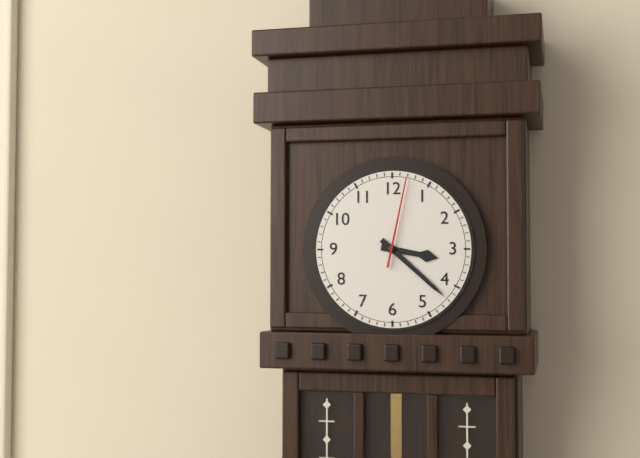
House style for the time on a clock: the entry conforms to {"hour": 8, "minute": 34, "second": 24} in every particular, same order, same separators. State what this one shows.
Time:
{"hour": 3, "minute": 22, "second": 2}
